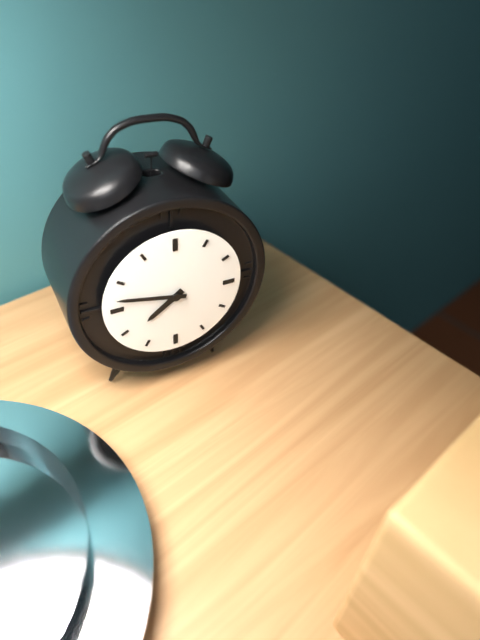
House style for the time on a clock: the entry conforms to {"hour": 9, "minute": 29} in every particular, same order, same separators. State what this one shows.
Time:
{"hour": 7, "minute": 47}
